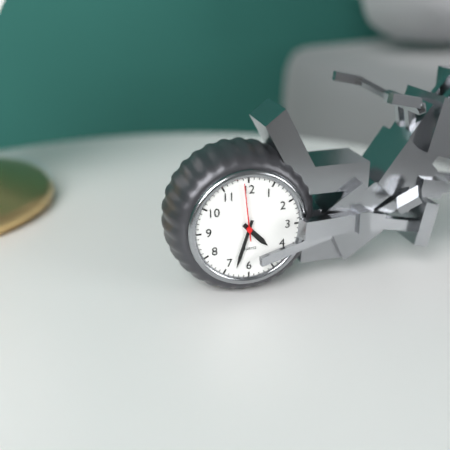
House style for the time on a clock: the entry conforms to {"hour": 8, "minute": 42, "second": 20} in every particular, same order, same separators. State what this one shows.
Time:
{"hour": 4, "minute": 33, "second": 59}
